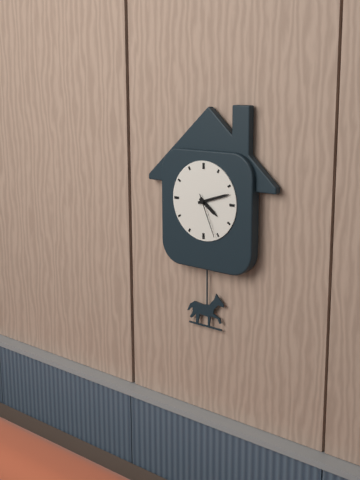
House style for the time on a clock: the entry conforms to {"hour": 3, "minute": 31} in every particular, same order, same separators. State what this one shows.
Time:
{"hour": 4, "minute": 12}
